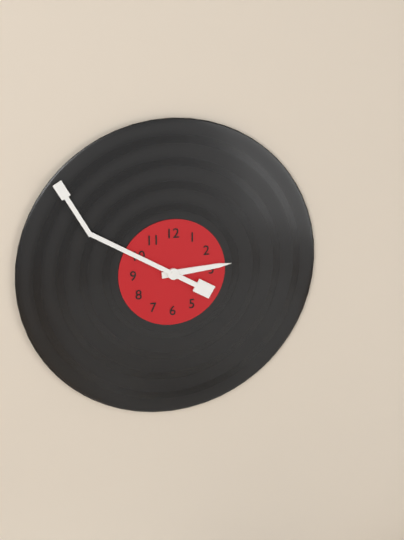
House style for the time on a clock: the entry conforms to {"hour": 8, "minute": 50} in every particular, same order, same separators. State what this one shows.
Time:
{"hour": 2, "minute": 50}
